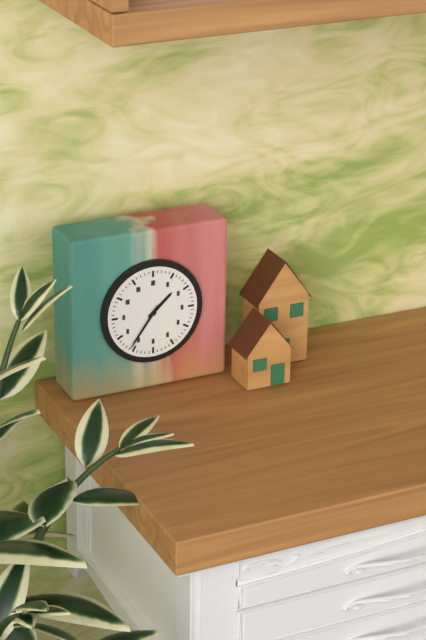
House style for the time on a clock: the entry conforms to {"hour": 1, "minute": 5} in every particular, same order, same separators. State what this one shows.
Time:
{"hour": 1, "minute": 36}
